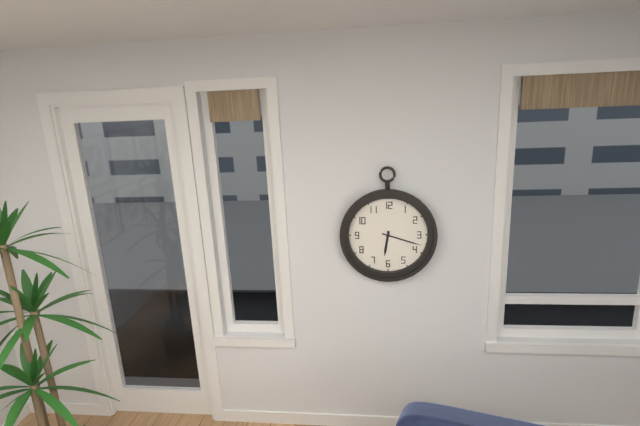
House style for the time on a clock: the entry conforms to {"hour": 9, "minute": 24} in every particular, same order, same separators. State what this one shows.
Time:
{"hour": 6, "minute": 18}
